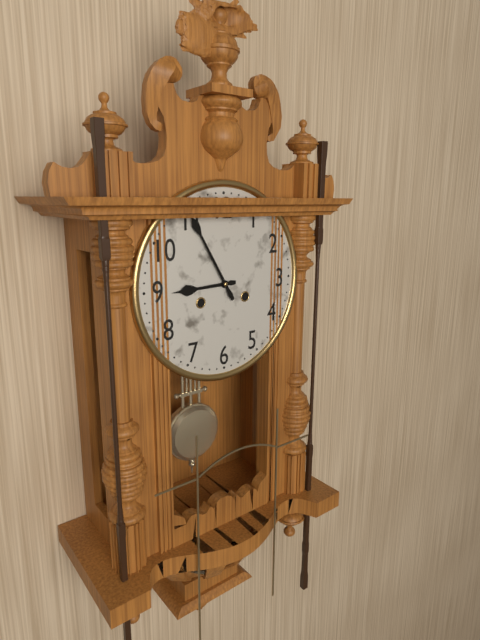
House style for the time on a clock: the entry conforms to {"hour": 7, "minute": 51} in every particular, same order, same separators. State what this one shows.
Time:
{"hour": 8, "minute": 55}
